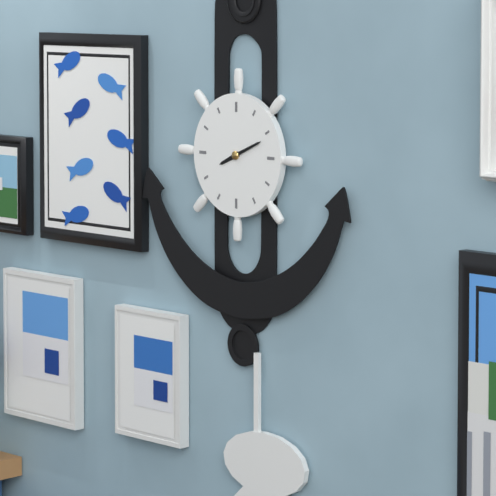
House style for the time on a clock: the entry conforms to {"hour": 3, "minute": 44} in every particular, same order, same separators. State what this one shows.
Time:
{"hour": 8, "minute": 11}
